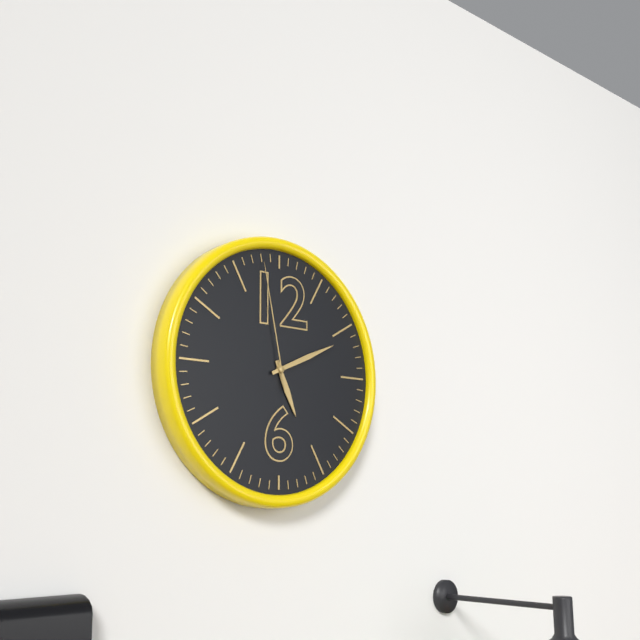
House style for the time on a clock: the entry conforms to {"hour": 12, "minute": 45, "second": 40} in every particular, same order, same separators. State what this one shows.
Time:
{"hour": 5, "minute": 11, "second": 58}
